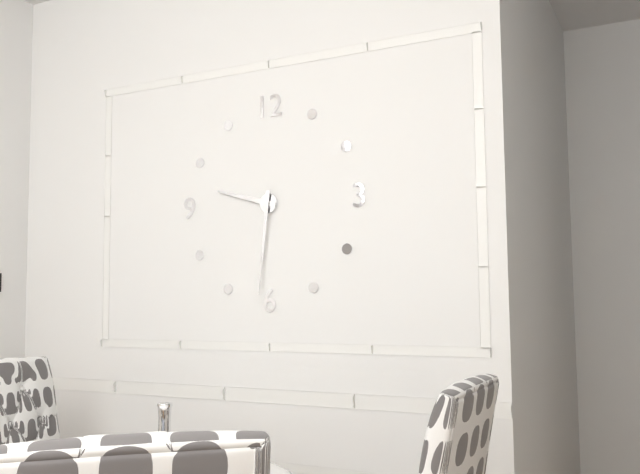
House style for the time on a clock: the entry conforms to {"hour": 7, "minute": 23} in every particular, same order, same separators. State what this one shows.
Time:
{"hour": 9, "minute": 31}
